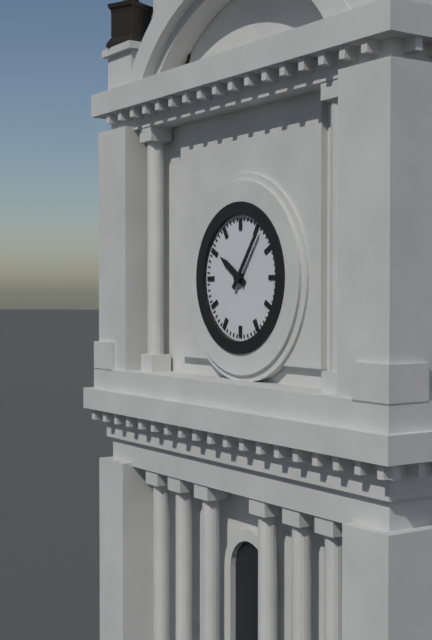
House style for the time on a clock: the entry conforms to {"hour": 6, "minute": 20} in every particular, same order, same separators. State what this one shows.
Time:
{"hour": 10, "minute": 6}
